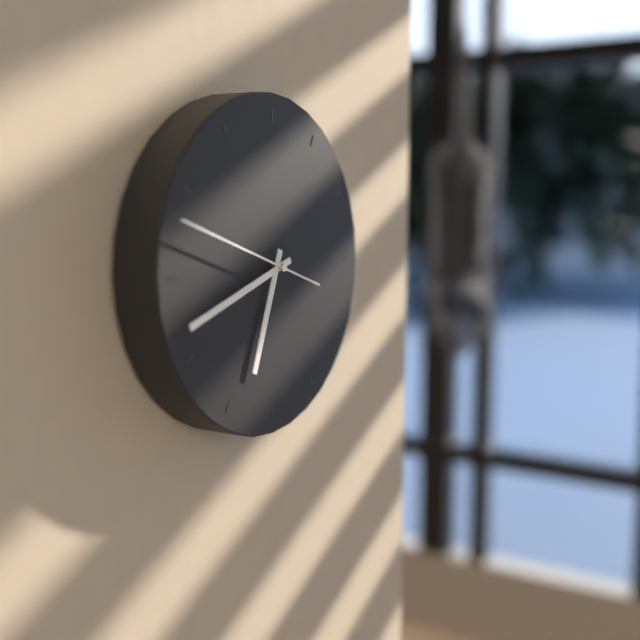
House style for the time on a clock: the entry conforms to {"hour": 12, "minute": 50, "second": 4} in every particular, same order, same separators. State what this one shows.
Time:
{"hour": 6, "minute": 42, "second": 48}
